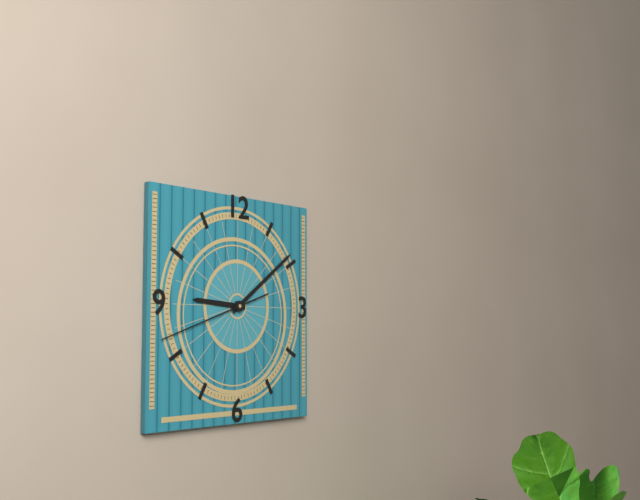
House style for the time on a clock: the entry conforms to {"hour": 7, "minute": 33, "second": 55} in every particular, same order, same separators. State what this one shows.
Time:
{"hour": 9, "minute": 9, "second": 42}
